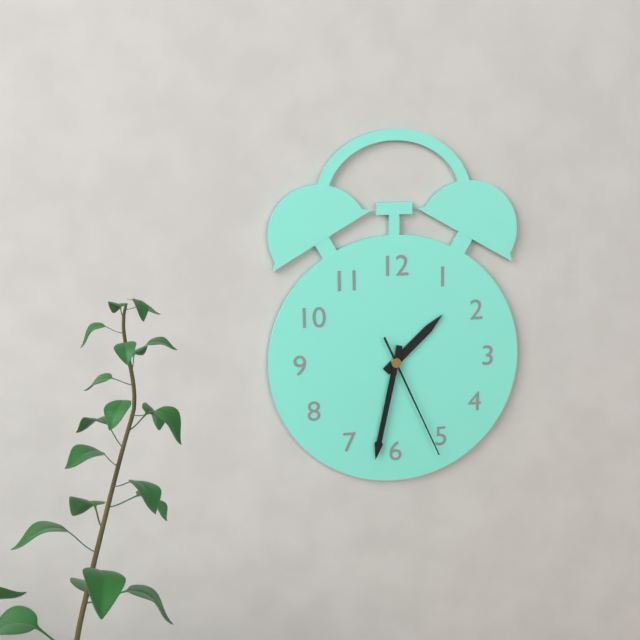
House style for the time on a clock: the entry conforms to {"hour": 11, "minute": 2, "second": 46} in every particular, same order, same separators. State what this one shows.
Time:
{"hour": 1, "minute": 32, "second": 26}
